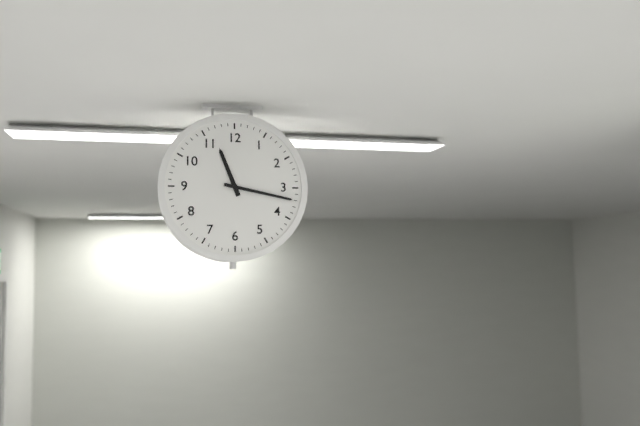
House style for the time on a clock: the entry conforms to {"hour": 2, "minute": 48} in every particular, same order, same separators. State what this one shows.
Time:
{"hour": 11, "minute": 17}
